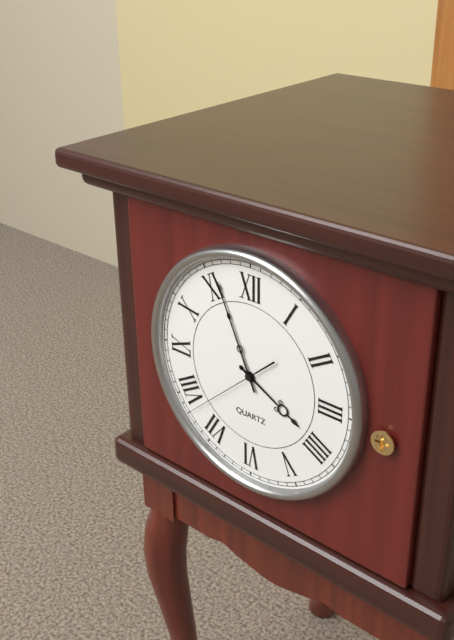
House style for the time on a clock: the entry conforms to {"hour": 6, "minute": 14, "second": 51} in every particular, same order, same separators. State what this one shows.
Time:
{"hour": 3, "minute": 56, "second": 38}
